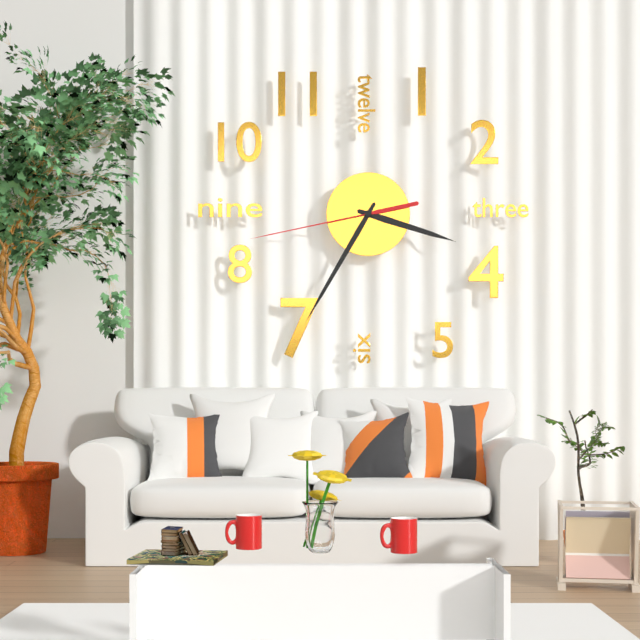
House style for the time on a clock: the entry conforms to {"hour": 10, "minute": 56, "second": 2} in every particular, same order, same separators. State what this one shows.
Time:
{"hour": 3, "minute": 35, "second": 43}
